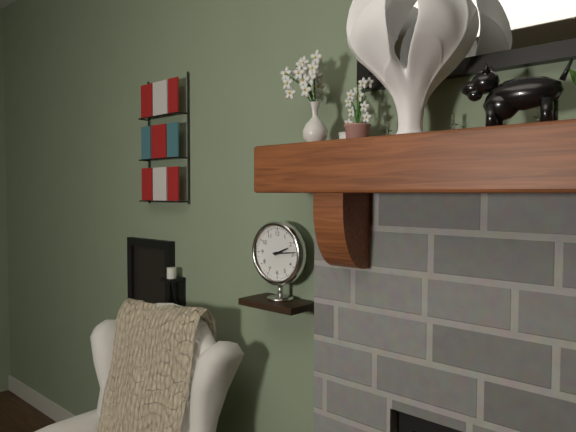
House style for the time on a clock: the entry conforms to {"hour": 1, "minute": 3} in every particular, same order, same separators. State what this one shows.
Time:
{"hour": 2, "minute": 14}
